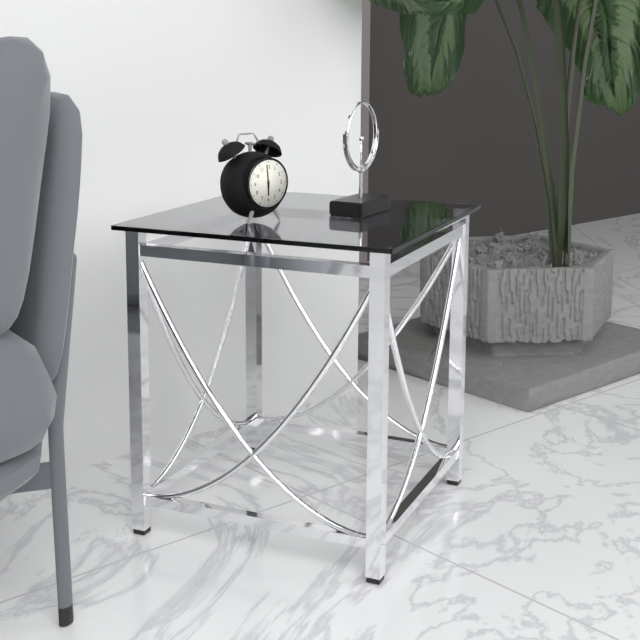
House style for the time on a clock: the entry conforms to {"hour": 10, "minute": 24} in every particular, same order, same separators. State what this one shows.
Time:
{"hour": 5, "minute": 59}
